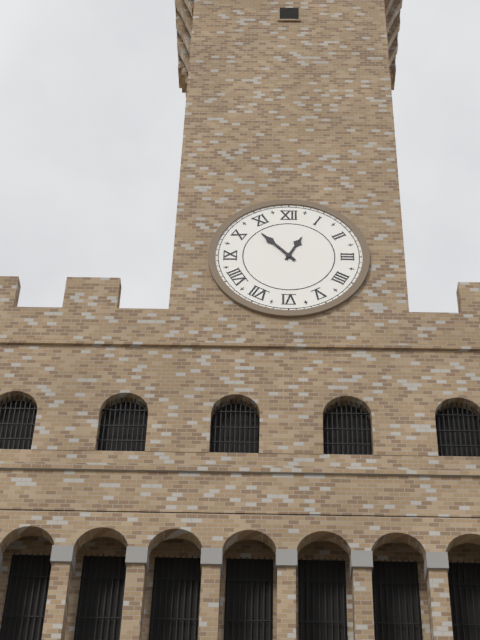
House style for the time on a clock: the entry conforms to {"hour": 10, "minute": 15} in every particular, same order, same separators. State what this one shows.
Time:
{"hour": 12, "minute": 53}
